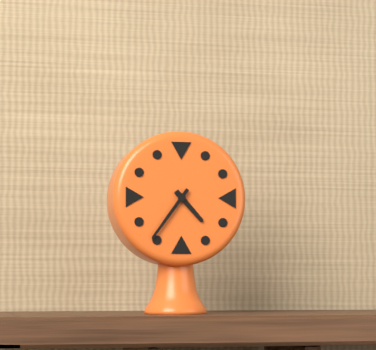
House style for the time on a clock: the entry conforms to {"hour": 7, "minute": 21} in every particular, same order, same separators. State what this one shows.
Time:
{"hour": 4, "minute": 36}
